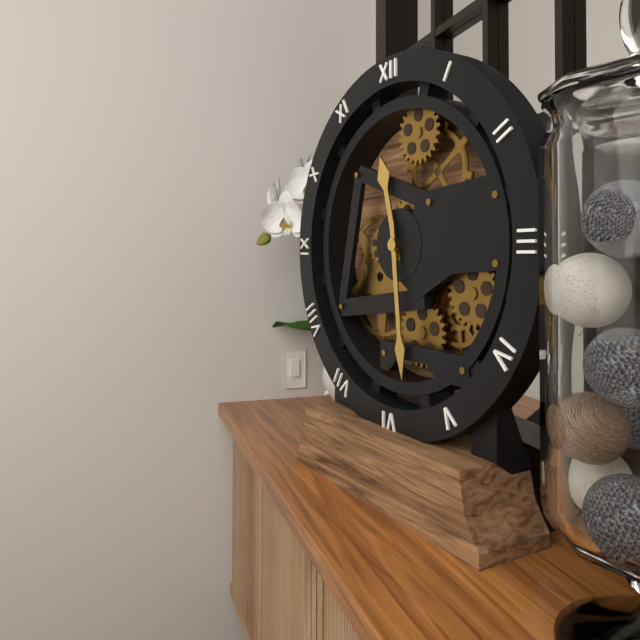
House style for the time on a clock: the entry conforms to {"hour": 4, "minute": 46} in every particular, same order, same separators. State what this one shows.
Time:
{"hour": 11, "minute": 29}
